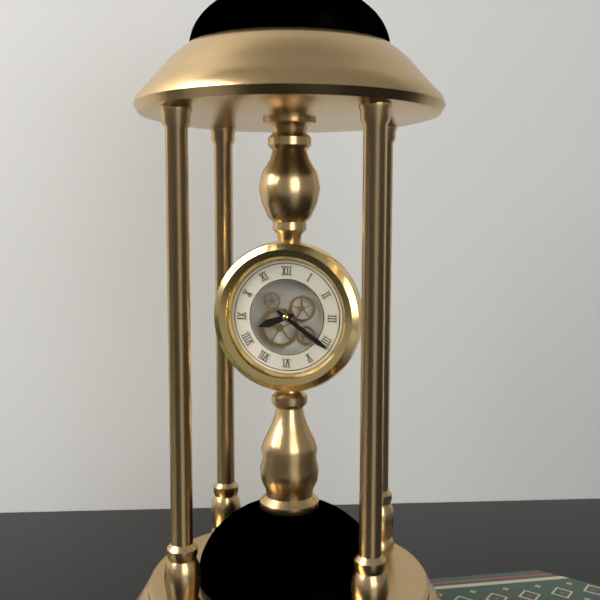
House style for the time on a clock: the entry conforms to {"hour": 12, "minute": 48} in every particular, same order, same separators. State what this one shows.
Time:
{"hour": 8, "minute": 21}
